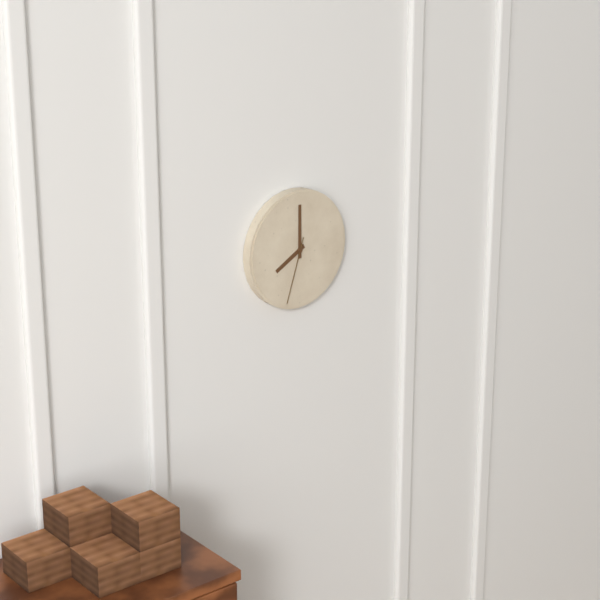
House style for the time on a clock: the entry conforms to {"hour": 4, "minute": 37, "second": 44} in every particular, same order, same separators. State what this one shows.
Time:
{"hour": 8, "minute": 0, "second": 33}
